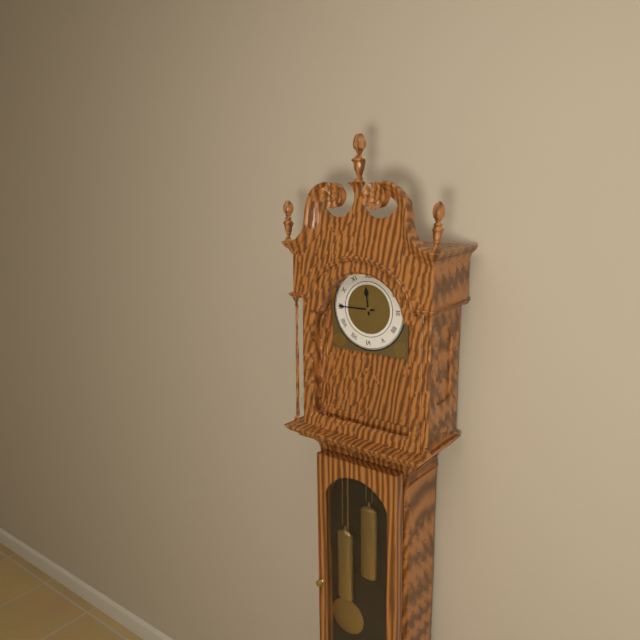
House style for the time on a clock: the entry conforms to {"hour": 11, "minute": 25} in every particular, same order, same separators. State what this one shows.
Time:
{"hour": 11, "minute": 45}
